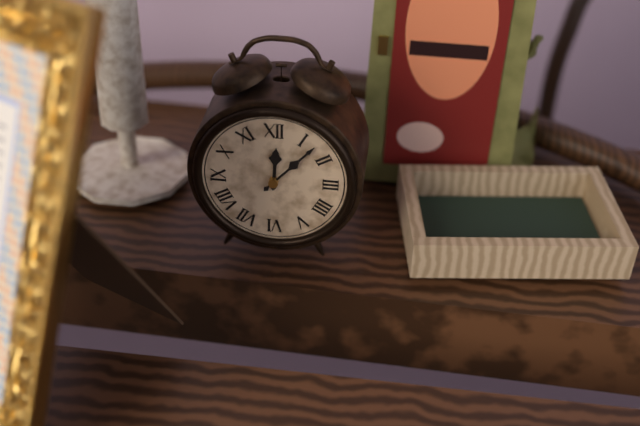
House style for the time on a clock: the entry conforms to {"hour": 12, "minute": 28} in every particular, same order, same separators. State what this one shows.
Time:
{"hour": 12, "minute": 7}
